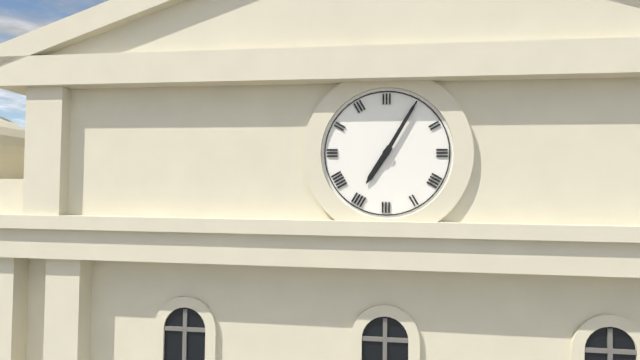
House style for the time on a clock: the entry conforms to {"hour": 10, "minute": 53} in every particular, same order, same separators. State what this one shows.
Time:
{"hour": 7, "minute": 5}
